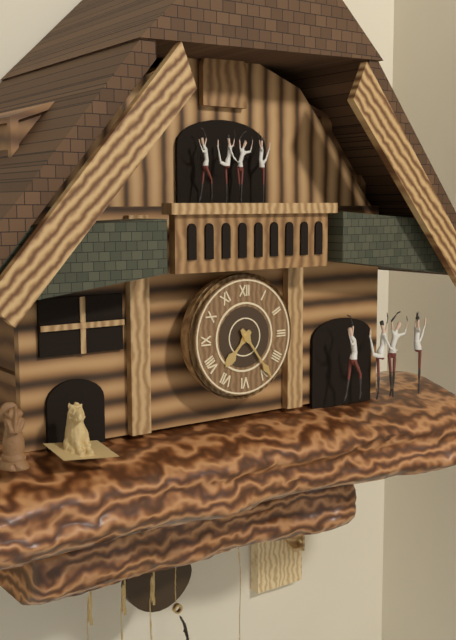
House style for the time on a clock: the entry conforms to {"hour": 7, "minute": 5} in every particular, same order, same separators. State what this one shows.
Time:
{"hour": 7, "minute": 24}
